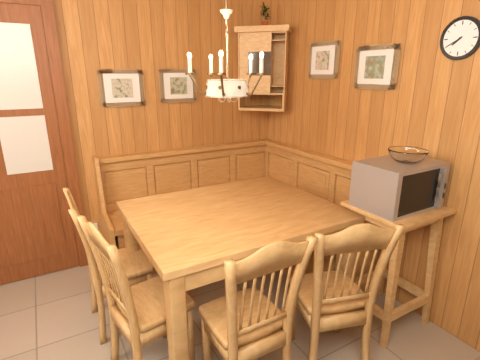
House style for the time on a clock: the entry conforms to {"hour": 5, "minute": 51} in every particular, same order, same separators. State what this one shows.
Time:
{"hour": 7, "minute": 40}
